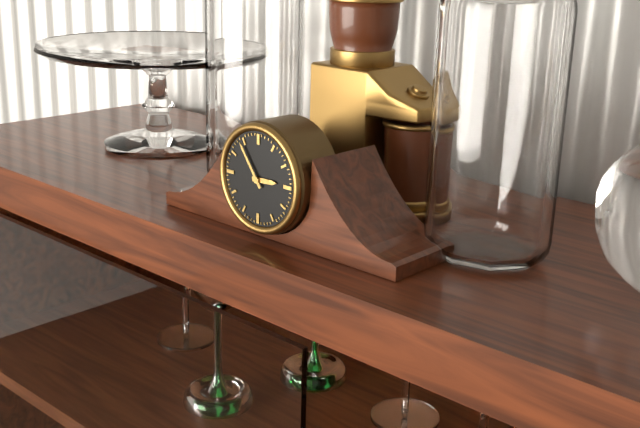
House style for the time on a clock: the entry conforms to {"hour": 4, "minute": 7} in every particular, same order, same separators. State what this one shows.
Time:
{"hour": 2, "minute": 54}
